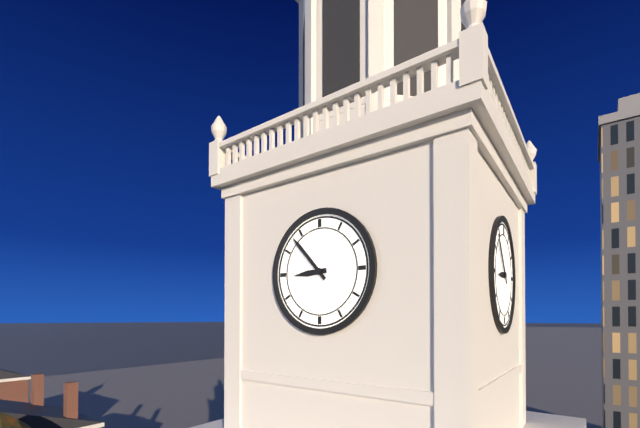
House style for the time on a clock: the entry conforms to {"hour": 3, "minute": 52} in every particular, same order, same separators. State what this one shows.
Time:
{"hour": 8, "minute": 53}
